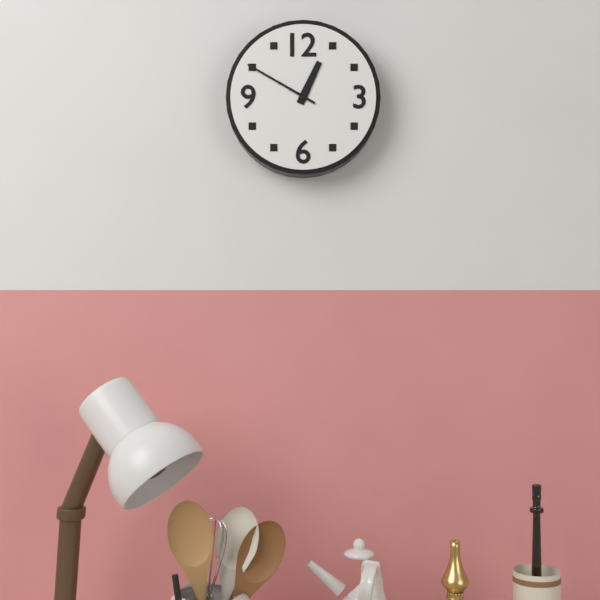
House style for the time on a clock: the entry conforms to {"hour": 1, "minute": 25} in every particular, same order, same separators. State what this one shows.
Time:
{"hour": 12, "minute": 50}
